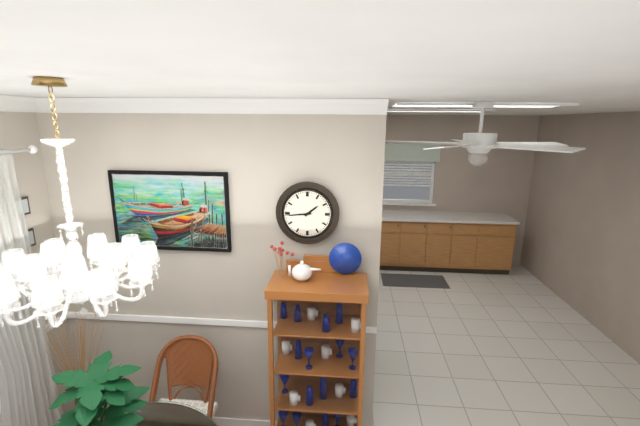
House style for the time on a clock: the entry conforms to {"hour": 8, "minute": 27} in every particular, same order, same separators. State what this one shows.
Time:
{"hour": 1, "minute": 44}
